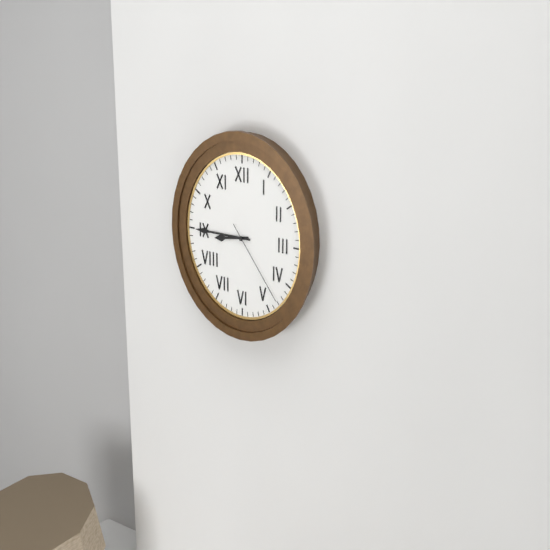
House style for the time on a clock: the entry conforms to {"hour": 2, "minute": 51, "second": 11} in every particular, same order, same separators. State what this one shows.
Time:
{"hour": 8, "minute": 45, "second": 23}
